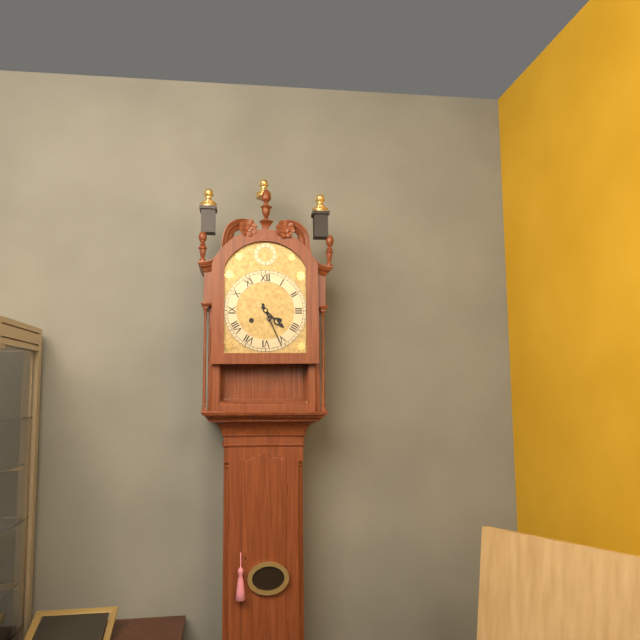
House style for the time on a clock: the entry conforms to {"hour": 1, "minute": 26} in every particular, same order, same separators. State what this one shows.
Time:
{"hour": 4, "minute": 26}
